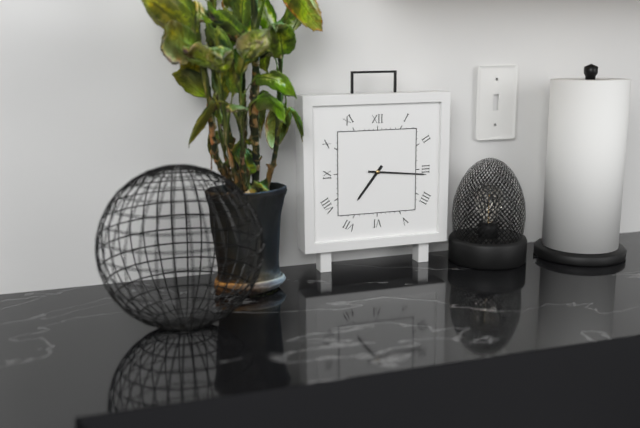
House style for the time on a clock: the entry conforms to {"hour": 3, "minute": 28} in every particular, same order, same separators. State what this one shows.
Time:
{"hour": 7, "minute": 16}
